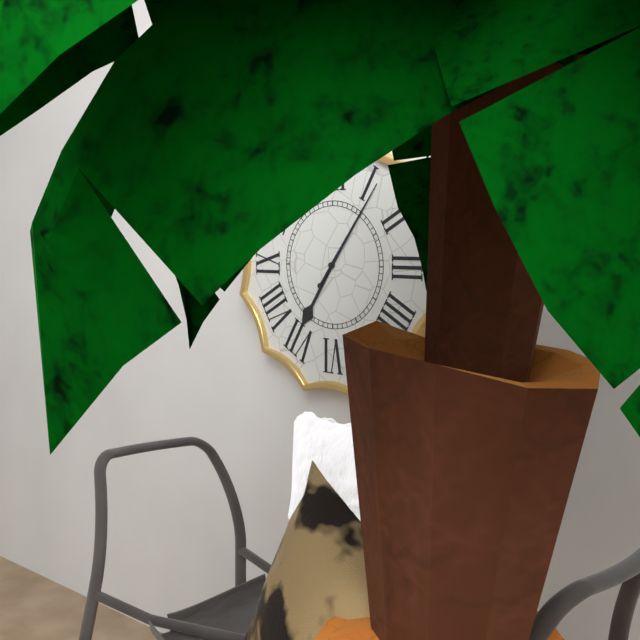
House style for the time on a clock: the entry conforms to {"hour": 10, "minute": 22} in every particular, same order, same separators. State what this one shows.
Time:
{"hour": 7, "minute": 6}
